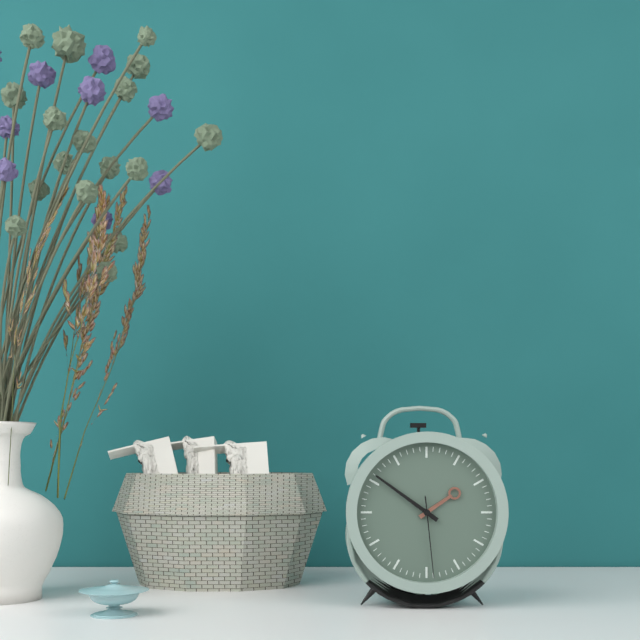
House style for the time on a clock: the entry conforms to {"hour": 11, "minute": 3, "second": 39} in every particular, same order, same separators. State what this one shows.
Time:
{"hour": 1, "minute": 51, "second": 29}
